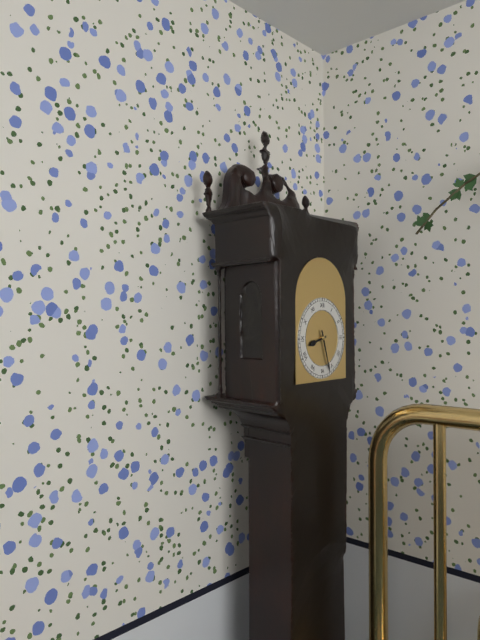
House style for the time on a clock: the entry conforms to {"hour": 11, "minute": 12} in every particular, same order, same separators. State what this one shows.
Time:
{"hour": 8, "minute": 27}
